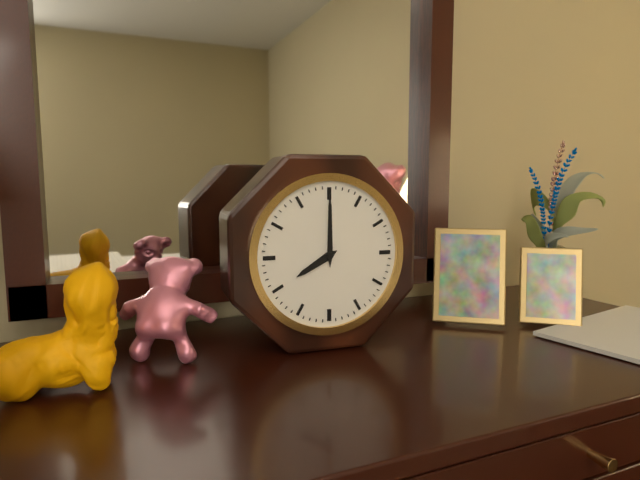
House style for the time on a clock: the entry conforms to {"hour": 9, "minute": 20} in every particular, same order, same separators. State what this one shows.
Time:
{"hour": 8, "minute": 0}
